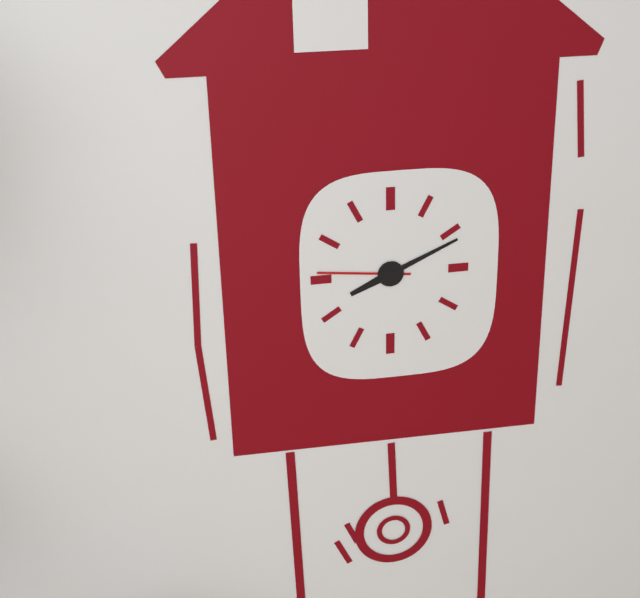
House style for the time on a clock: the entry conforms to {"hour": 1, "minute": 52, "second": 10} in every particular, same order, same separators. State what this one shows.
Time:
{"hour": 8, "minute": 11, "second": 46}
